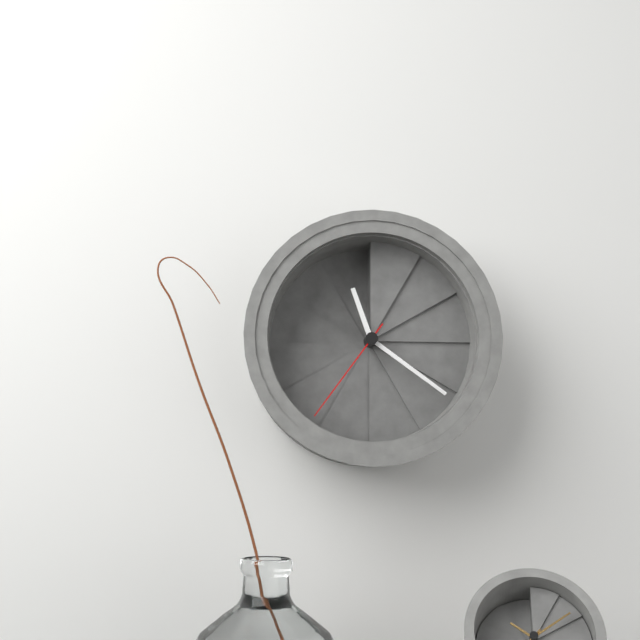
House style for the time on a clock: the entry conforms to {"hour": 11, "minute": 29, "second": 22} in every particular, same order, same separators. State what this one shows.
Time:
{"hour": 11, "minute": 21, "second": 36}
